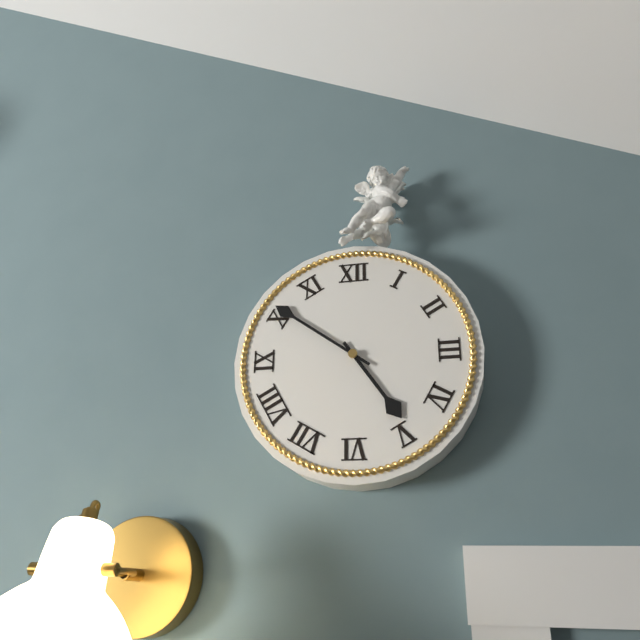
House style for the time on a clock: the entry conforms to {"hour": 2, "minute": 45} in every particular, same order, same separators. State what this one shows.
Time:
{"hour": 4, "minute": 51}
